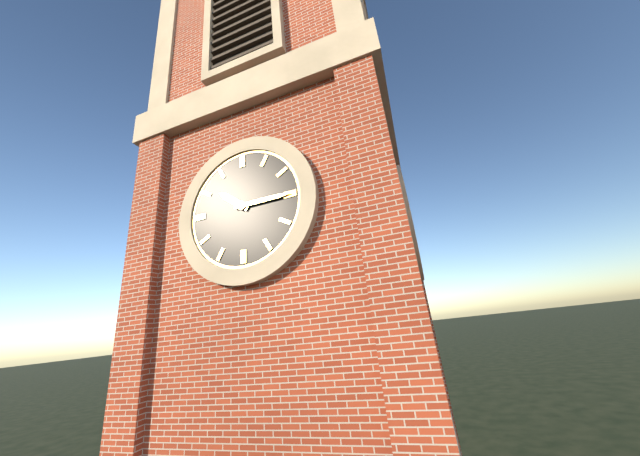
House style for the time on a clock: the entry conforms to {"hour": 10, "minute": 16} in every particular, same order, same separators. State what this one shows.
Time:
{"hour": 10, "minute": 15}
